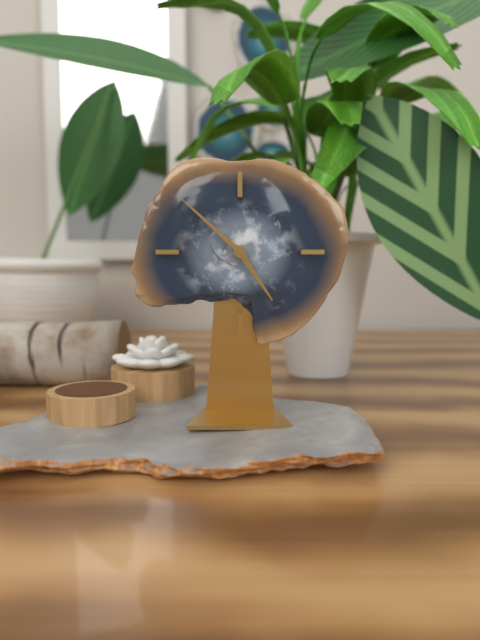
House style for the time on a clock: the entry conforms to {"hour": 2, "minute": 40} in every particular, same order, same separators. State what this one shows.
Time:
{"hour": 4, "minute": 52}
